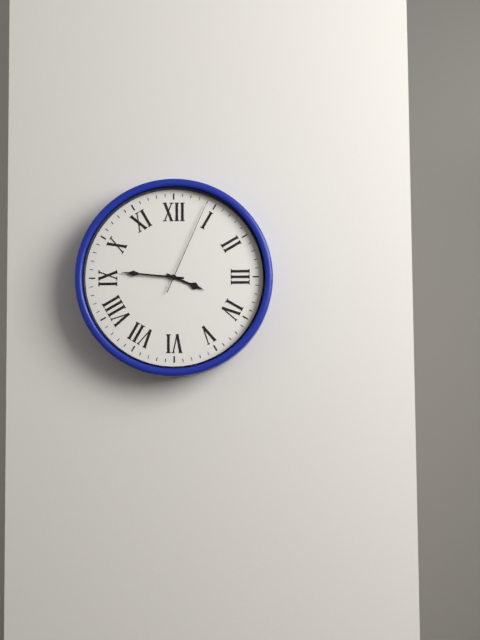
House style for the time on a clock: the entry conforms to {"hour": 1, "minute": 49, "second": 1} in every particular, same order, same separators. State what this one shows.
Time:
{"hour": 3, "minute": 46, "second": 4}
